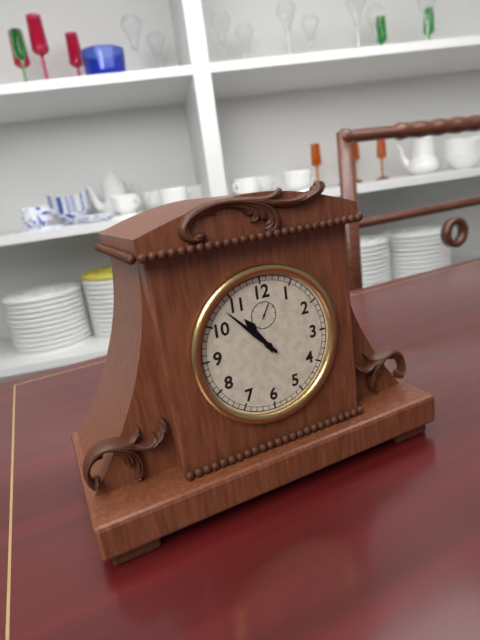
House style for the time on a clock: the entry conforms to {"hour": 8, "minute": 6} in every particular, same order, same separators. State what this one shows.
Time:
{"hour": 10, "minute": 53}
